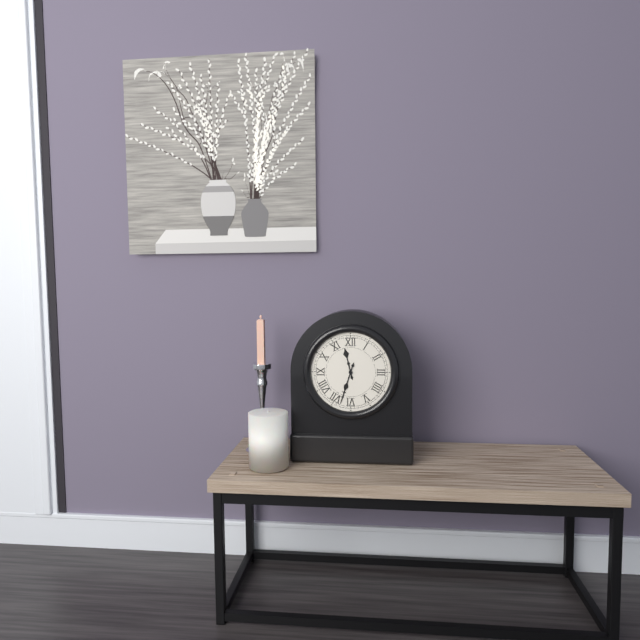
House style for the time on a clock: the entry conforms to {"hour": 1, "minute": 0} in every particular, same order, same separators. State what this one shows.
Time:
{"hour": 11, "minute": 33}
